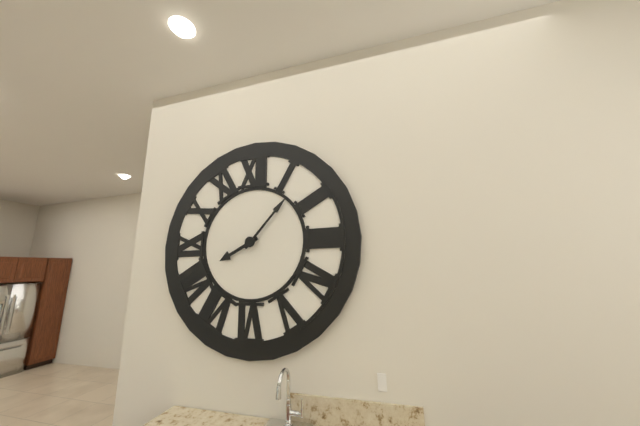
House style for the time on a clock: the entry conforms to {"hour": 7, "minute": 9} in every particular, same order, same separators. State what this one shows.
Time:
{"hour": 8, "minute": 7}
